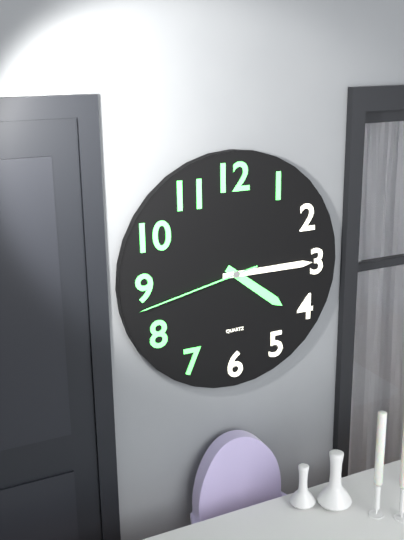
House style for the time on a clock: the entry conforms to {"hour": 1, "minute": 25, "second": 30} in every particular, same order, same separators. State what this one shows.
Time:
{"hour": 4, "minute": 15, "second": 43}
